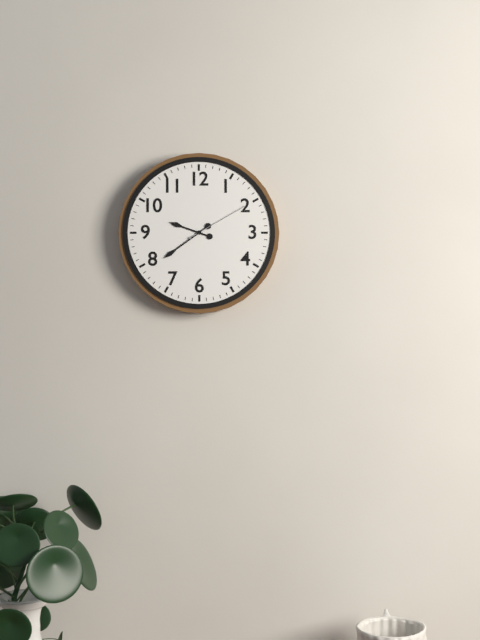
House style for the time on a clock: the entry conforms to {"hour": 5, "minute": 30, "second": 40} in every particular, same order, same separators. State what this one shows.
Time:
{"hour": 9, "minute": 39, "second": 10}
